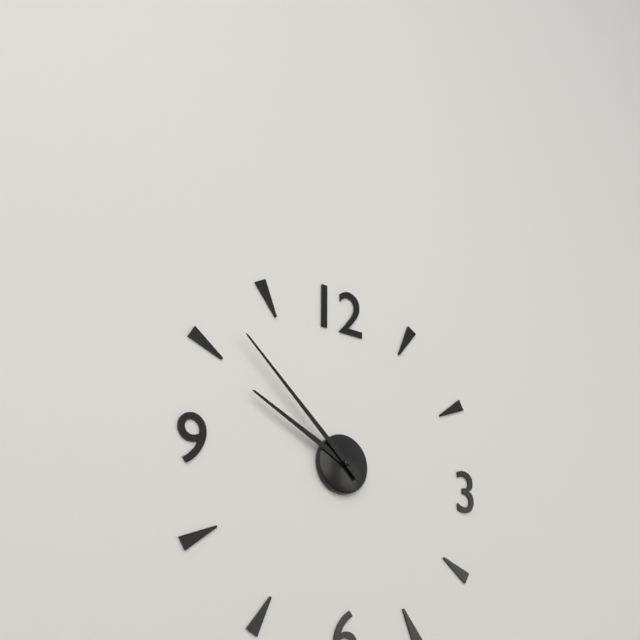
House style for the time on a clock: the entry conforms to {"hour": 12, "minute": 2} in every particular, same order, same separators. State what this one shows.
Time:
{"hour": 9, "minute": 52}
